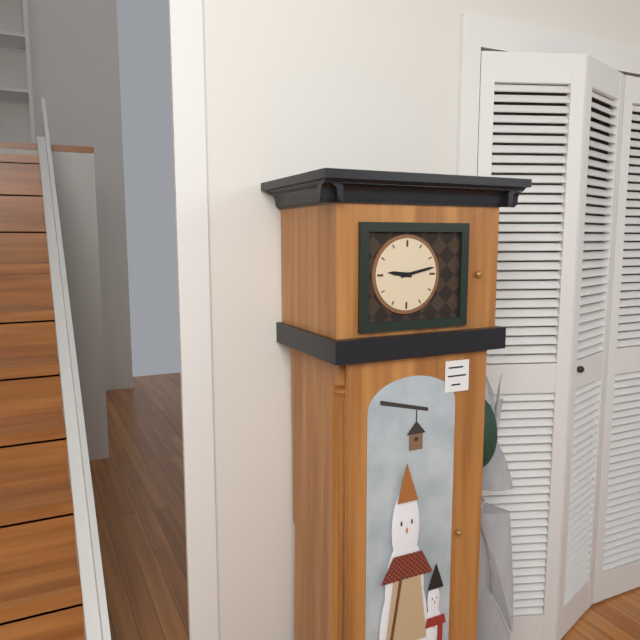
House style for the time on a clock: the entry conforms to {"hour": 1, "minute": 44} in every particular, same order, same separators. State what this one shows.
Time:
{"hour": 9, "minute": 13}
